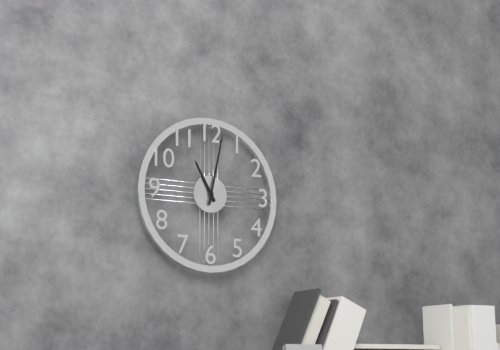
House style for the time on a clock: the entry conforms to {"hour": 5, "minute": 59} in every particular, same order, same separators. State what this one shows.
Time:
{"hour": 11, "minute": 2}
